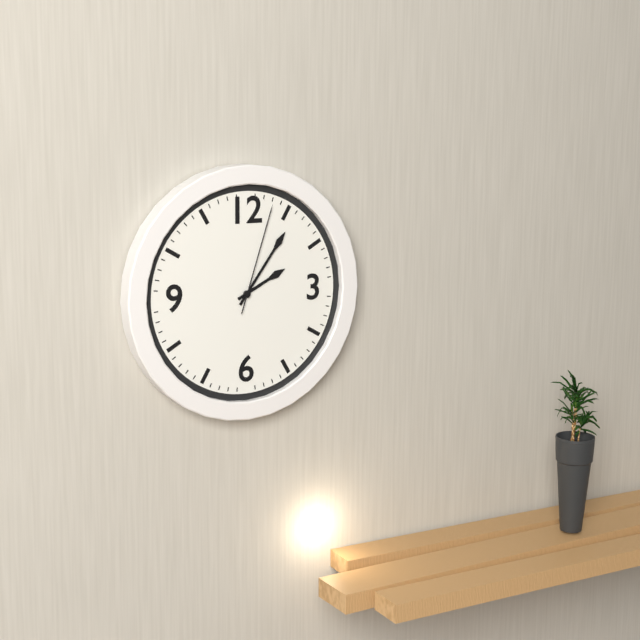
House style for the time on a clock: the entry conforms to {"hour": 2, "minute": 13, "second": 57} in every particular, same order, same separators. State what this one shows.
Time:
{"hour": 2, "minute": 6, "second": 3}
